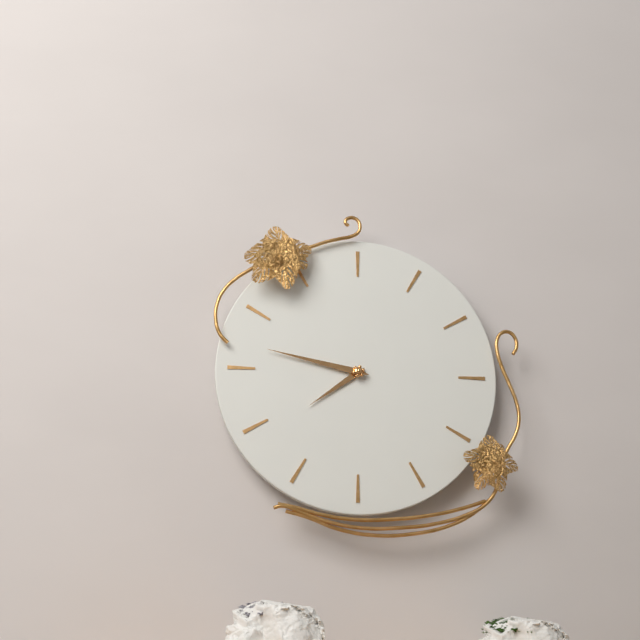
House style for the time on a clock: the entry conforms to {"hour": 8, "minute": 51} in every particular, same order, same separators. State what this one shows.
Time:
{"hour": 7, "minute": 47}
